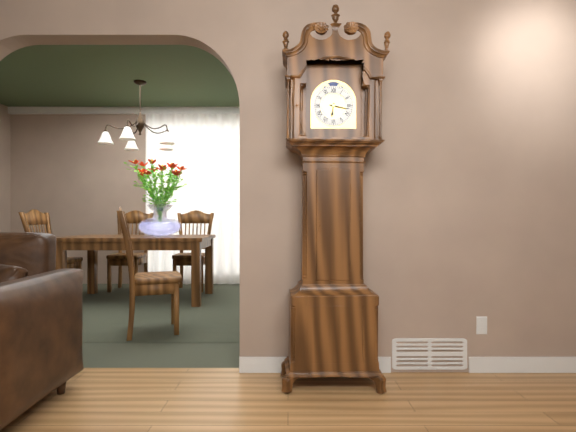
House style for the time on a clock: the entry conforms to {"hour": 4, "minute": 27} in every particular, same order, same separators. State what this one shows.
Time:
{"hour": 6, "minute": 17}
